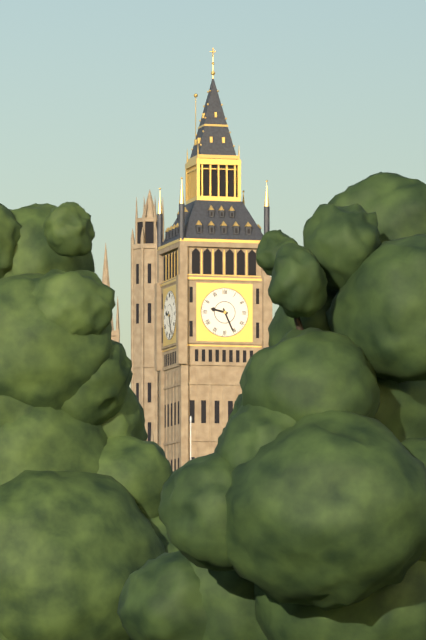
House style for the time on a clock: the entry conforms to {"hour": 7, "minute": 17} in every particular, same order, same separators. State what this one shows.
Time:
{"hour": 9, "minute": 26}
